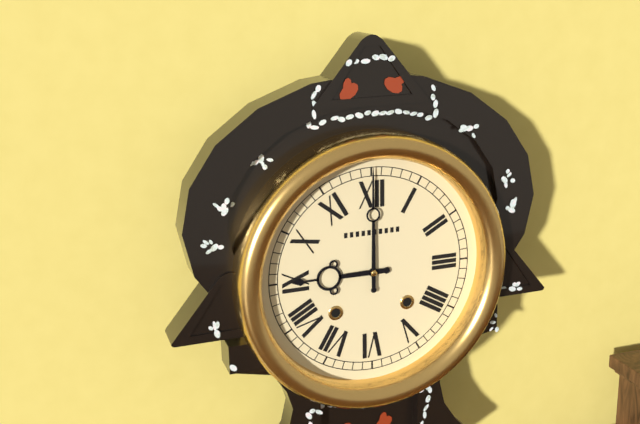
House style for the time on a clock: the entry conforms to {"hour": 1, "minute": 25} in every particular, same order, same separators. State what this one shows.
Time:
{"hour": 9, "minute": 0}
